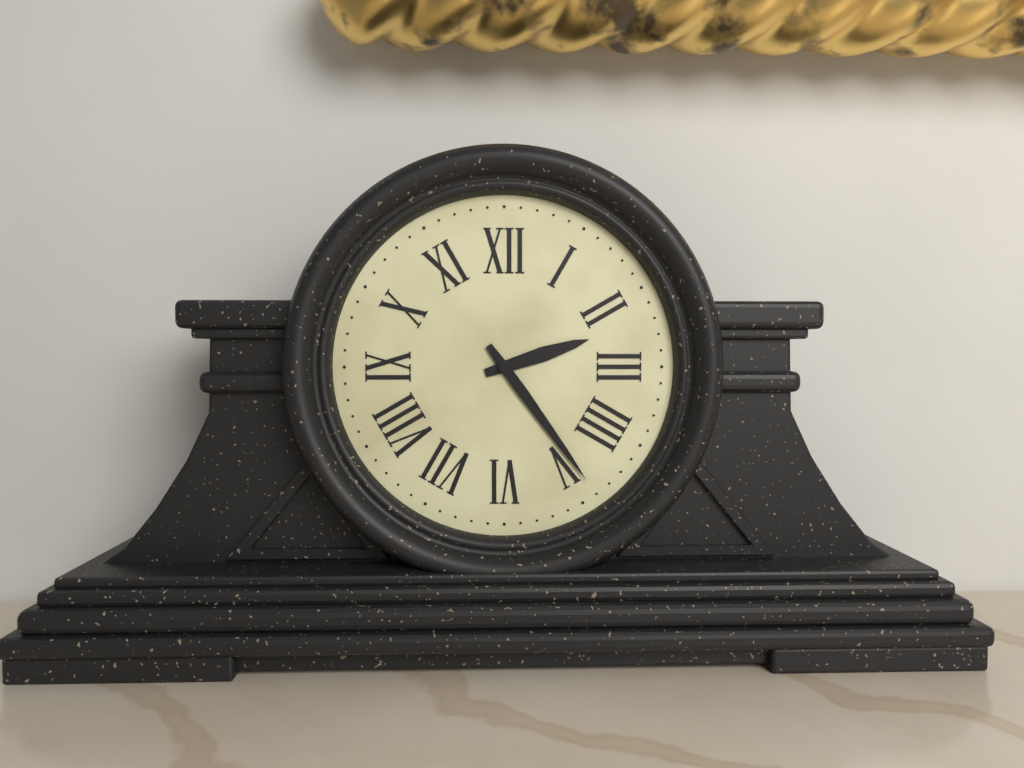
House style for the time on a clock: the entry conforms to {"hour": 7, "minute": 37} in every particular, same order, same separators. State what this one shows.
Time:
{"hour": 2, "minute": 24}
